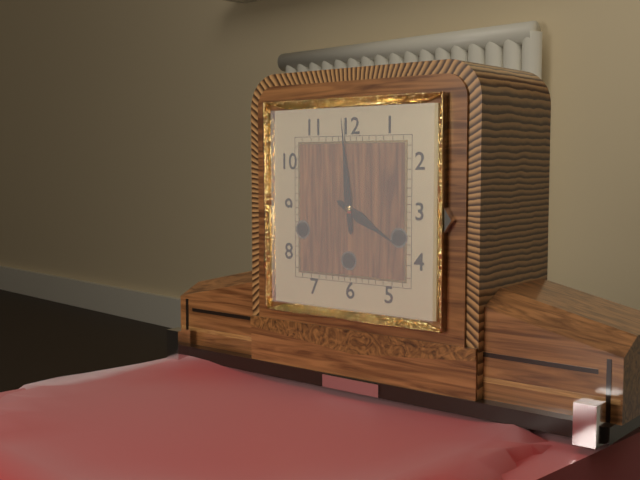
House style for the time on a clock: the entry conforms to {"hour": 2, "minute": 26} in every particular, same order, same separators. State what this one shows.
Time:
{"hour": 3, "minute": 59}
